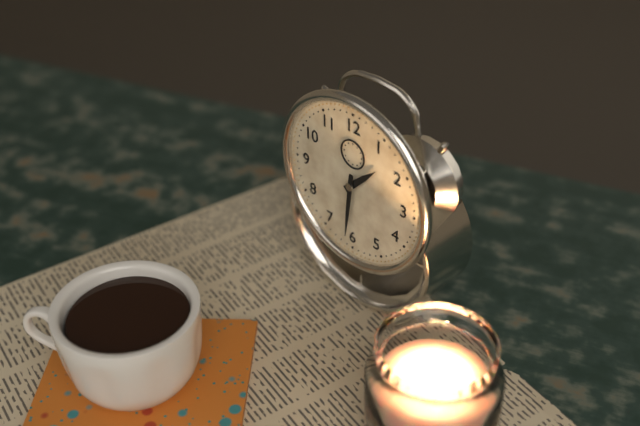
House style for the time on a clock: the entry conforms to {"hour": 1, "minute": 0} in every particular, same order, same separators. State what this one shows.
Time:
{"hour": 1, "minute": 31}
